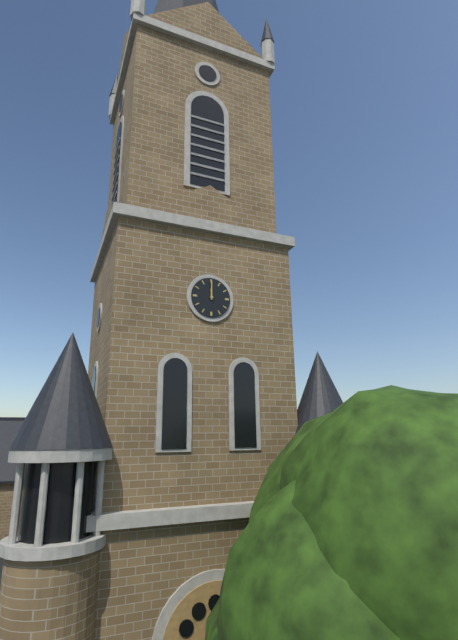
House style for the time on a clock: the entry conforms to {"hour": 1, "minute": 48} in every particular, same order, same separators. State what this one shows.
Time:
{"hour": 12, "minute": 0}
